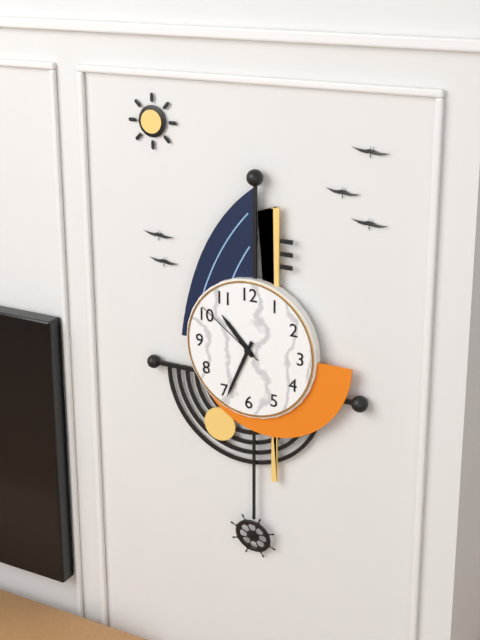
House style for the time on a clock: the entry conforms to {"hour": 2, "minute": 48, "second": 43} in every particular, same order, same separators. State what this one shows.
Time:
{"hour": 10, "minute": 34, "second": 51}
